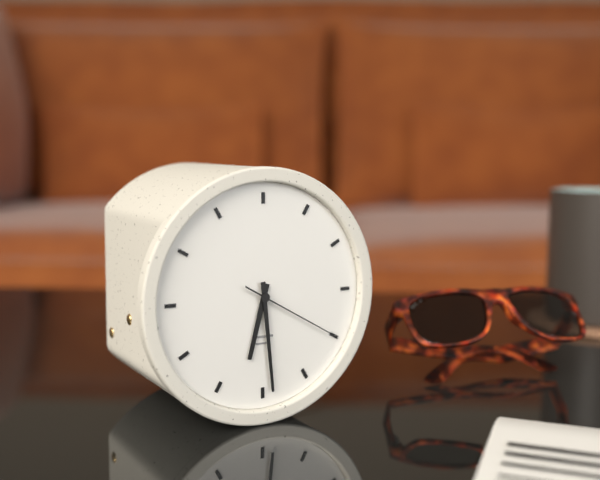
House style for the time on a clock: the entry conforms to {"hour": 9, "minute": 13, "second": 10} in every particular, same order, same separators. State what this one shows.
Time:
{"hour": 6, "minute": 29, "second": 20}
